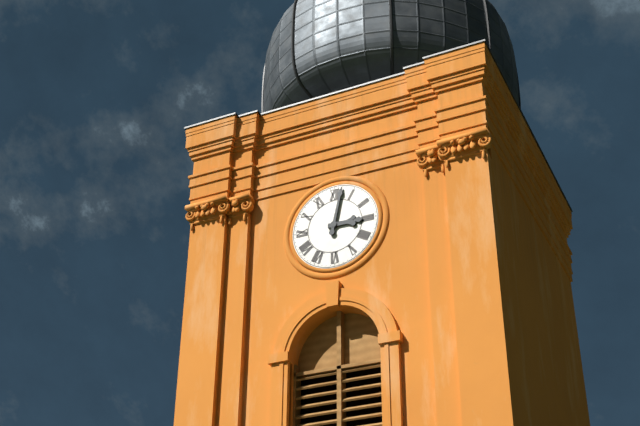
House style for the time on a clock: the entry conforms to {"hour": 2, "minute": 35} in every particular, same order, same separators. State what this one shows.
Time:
{"hour": 3, "minute": 2}
